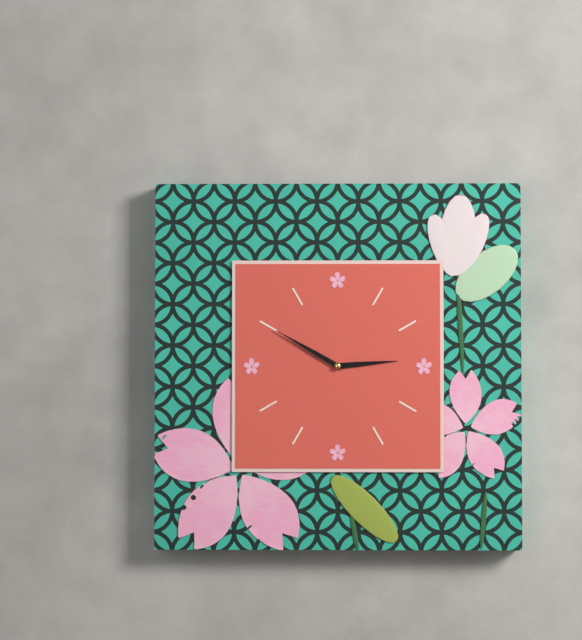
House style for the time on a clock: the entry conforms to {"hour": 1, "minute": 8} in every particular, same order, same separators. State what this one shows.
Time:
{"hour": 2, "minute": 50}
